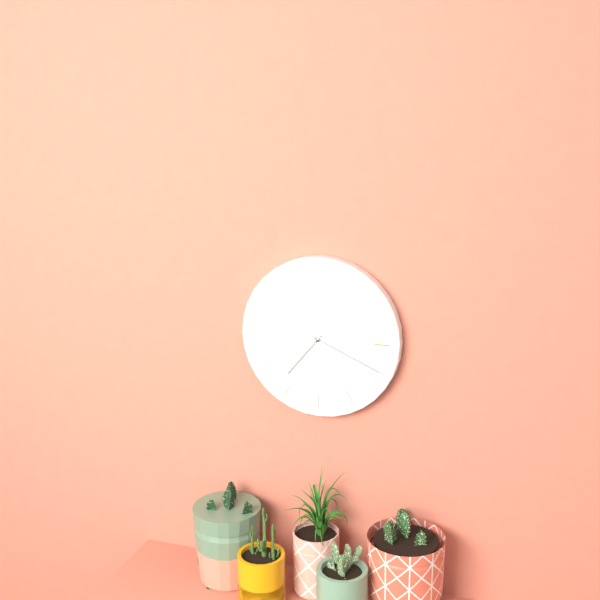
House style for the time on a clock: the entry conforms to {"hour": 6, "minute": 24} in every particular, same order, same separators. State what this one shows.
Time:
{"hour": 7, "minute": 19}
